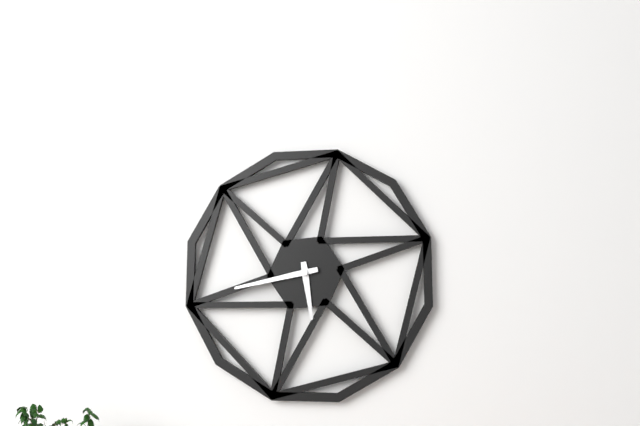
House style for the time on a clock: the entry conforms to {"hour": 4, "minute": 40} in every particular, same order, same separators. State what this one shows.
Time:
{"hour": 5, "minute": 43}
